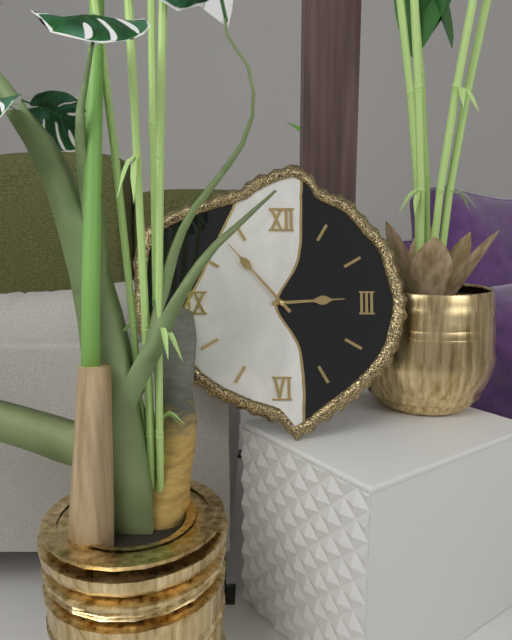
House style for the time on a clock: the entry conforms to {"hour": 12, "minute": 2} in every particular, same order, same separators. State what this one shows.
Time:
{"hour": 2, "minute": 53}
